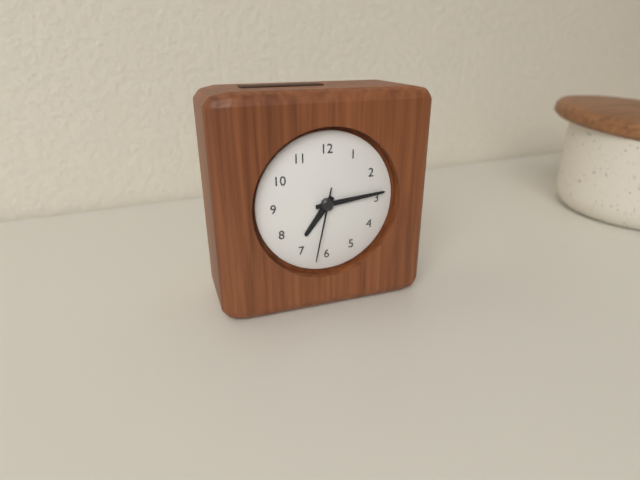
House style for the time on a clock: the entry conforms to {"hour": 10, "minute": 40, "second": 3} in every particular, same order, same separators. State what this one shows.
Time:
{"hour": 7, "minute": 14, "second": 32}
